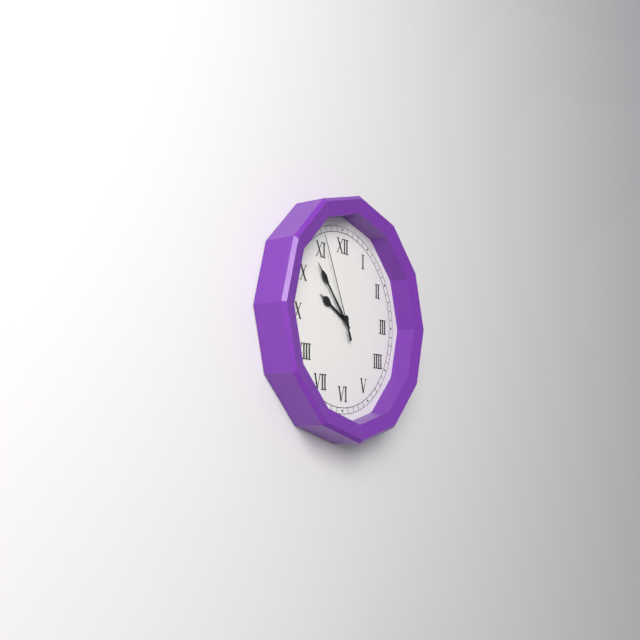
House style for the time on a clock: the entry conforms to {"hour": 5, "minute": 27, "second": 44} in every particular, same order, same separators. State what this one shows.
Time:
{"hour": 9, "minute": 53, "second": 56}
